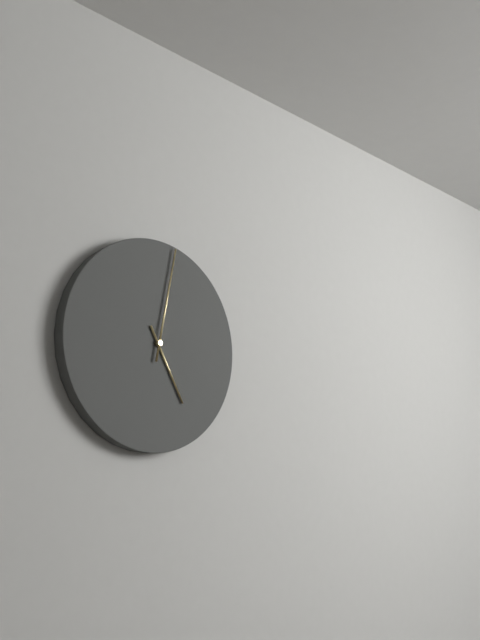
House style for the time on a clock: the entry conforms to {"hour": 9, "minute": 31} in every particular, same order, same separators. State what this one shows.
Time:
{"hour": 5, "minute": 2}
